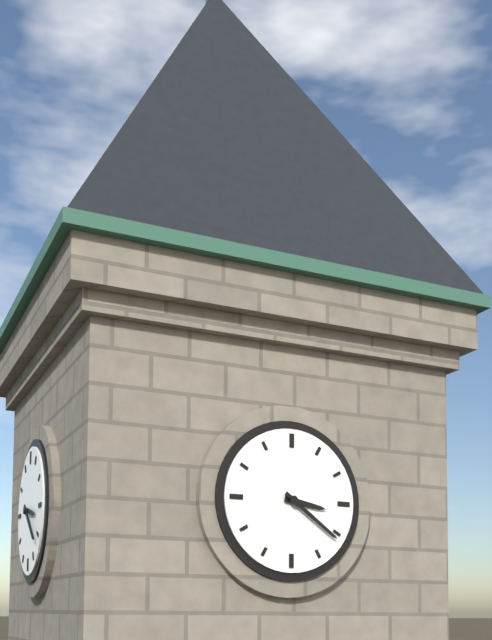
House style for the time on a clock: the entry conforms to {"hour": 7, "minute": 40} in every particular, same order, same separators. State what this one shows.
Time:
{"hour": 3, "minute": 21}
